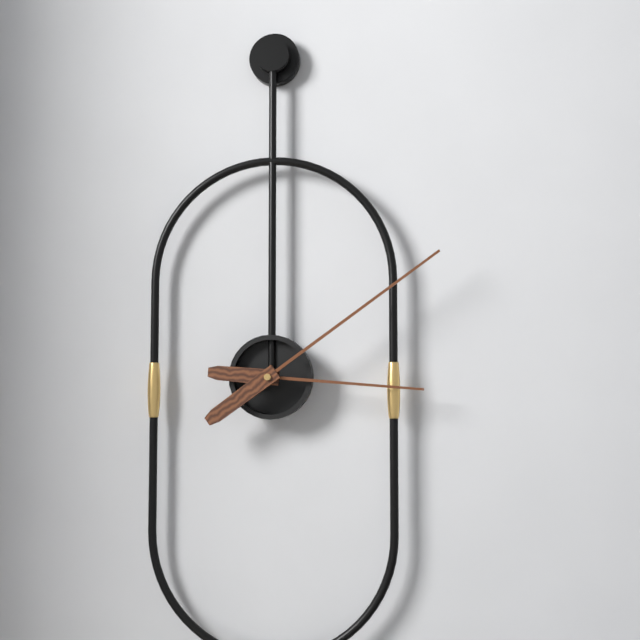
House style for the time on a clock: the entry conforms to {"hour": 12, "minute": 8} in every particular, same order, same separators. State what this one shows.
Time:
{"hour": 3, "minute": 9}
